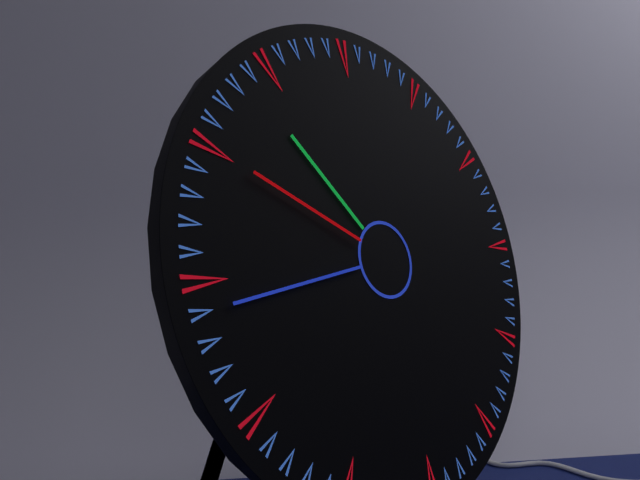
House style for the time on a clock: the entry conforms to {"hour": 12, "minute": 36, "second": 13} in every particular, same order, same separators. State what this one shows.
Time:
{"hour": 10, "minute": 44, "second": 50}
